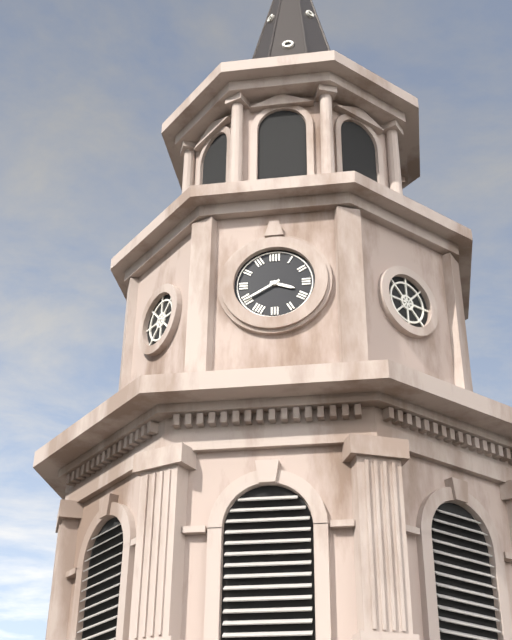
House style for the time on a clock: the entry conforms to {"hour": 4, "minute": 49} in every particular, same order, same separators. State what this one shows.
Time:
{"hour": 3, "minute": 40}
